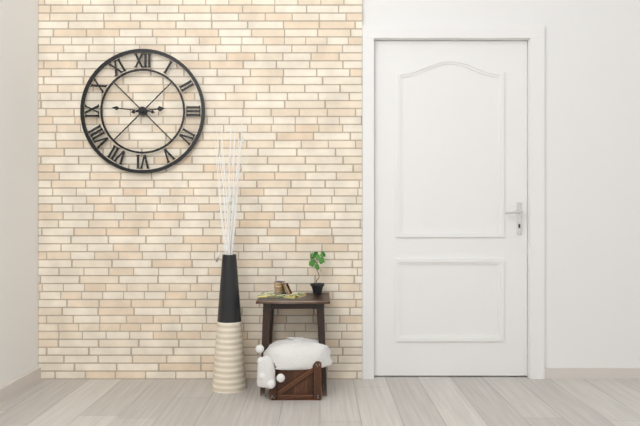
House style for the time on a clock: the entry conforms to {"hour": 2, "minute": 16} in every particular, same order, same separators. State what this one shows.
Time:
{"hour": 2, "minute": 46}
